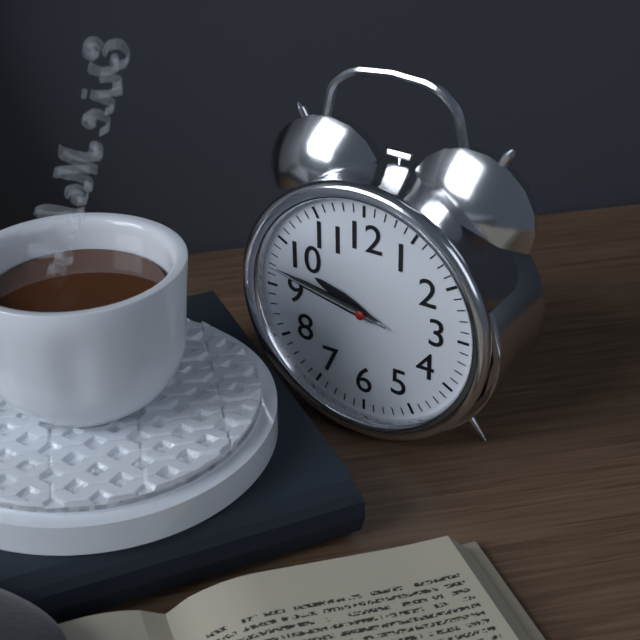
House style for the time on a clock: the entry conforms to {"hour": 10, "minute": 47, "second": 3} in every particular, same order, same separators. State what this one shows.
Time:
{"hour": 9, "minute": 47, "second": 47}
